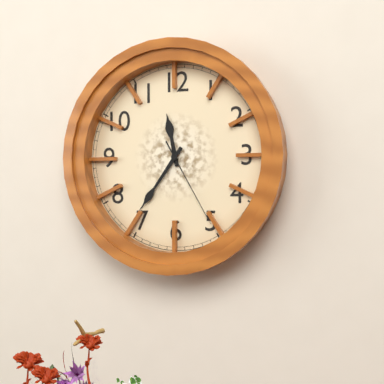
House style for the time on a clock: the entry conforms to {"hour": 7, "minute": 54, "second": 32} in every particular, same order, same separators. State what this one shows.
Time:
{"hour": 11, "minute": 36, "second": 25}
